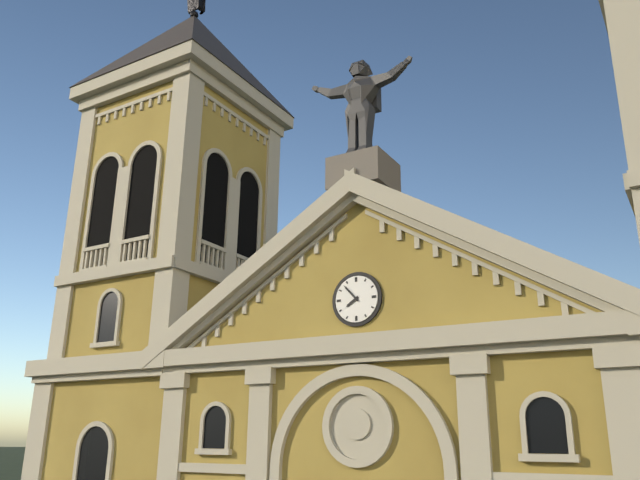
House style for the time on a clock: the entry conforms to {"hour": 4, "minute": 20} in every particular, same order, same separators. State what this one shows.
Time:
{"hour": 7, "minute": 53}
